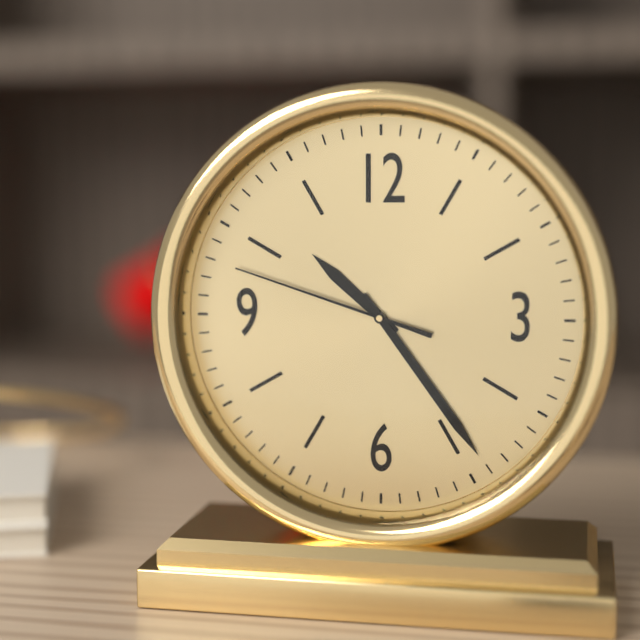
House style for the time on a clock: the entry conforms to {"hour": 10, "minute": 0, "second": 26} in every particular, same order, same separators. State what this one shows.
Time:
{"hour": 10, "minute": 24, "second": 48}
